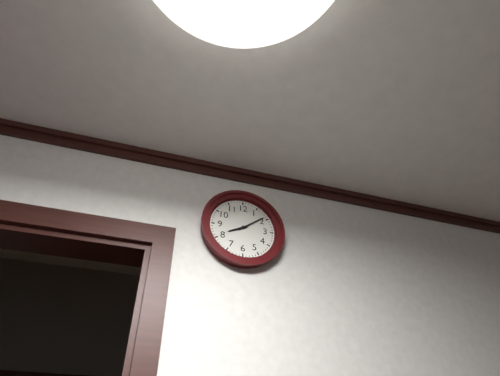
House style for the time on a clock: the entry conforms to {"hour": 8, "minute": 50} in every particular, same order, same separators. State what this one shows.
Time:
{"hour": 8, "minute": 9}
